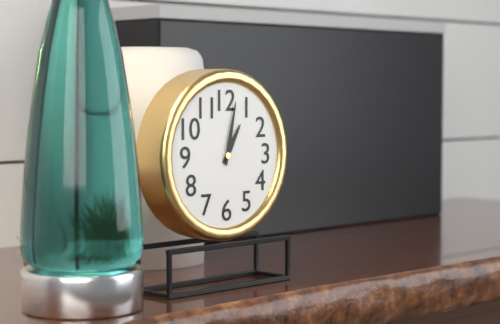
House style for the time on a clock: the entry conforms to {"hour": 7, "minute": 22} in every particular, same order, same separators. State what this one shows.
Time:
{"hour": 1, "minute": 2}
